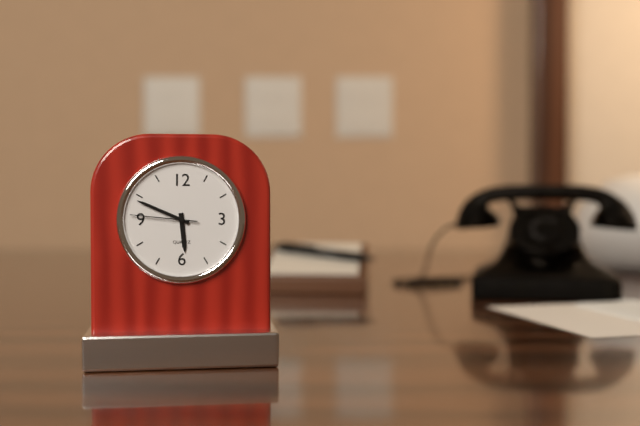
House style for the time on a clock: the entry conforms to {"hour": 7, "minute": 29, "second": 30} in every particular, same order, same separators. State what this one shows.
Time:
{"hour": 5, "minute": 49, "second": 46}
